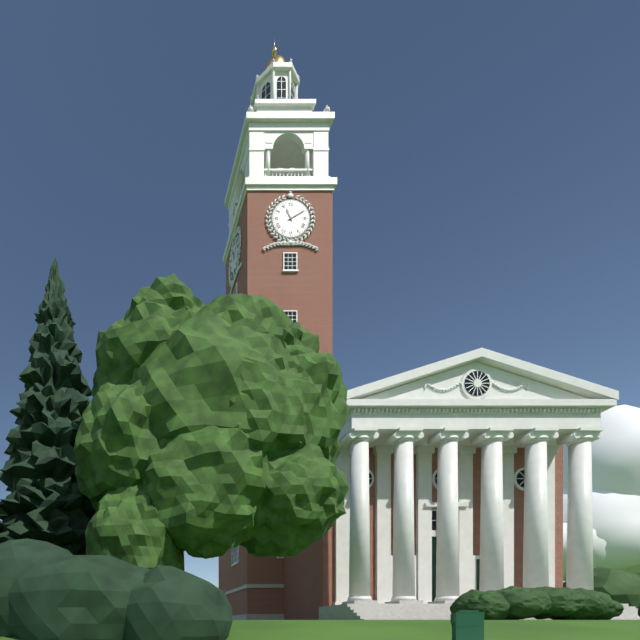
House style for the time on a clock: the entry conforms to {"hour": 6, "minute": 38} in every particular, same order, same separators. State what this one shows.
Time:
{"hour": 11, "minute": 10}
